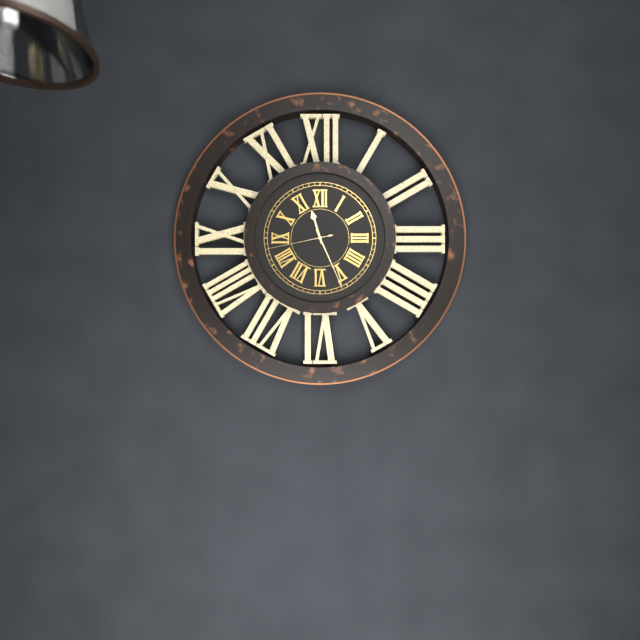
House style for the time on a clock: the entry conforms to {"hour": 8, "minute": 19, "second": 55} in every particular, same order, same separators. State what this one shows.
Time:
{"hour": 11, "minute": 26, "second": 43}
